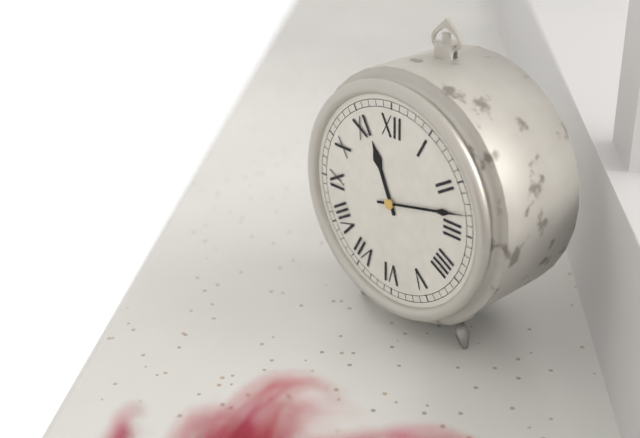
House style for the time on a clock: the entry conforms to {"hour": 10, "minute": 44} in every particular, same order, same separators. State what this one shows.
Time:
{"hour": 11, "minute": 13}
